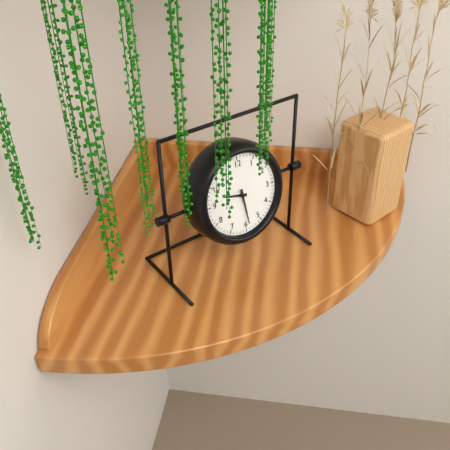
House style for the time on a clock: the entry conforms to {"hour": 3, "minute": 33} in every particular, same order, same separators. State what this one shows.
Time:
{"hour": 9, "minute": 29}
